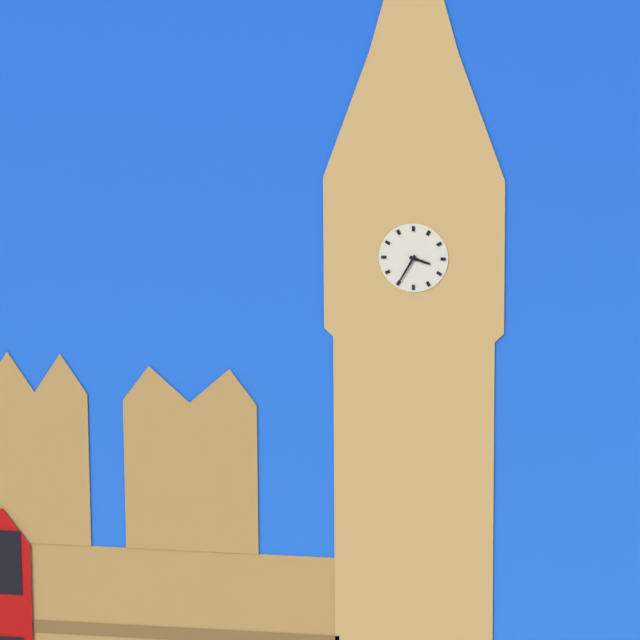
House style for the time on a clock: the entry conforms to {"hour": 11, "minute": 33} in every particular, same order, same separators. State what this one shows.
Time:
{"hour": 3, "minute": 35}
